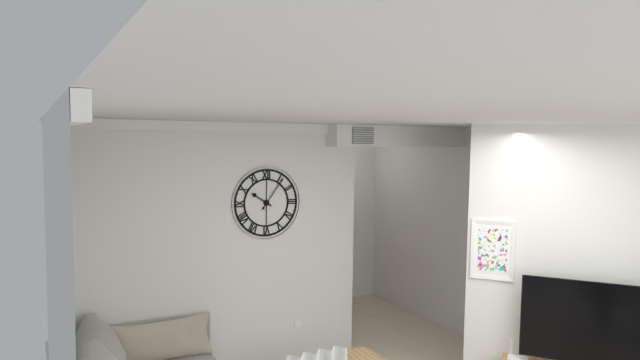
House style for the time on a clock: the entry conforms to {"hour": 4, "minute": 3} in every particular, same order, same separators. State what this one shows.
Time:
{"hour": 10, "minute": 6}
